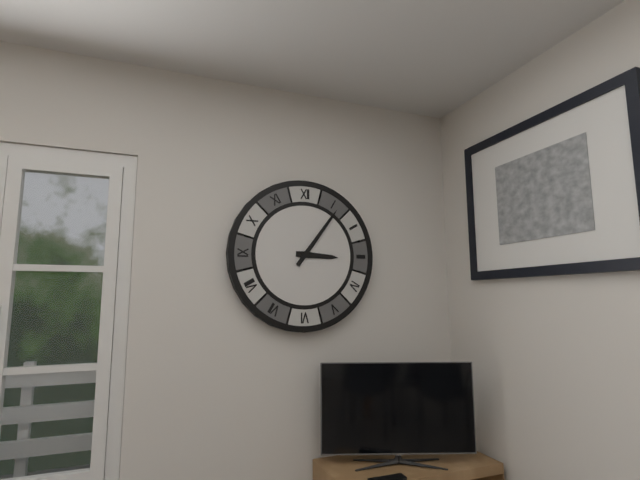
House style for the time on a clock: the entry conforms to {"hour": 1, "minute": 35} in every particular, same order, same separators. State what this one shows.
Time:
{"hour": 3, "minute": 6}
